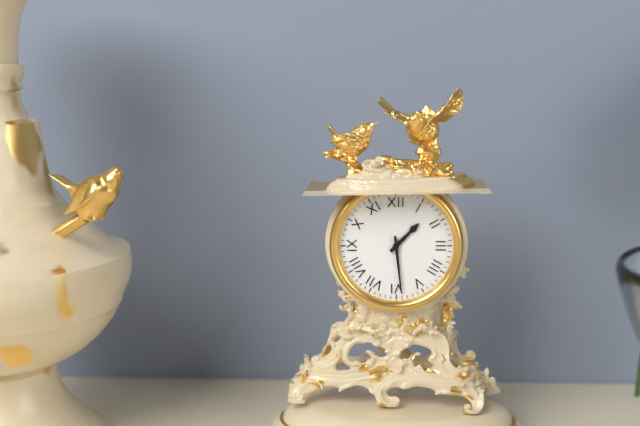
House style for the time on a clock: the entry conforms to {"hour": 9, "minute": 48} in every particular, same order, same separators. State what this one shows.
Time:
{"hour": 1, "minute": 29}
